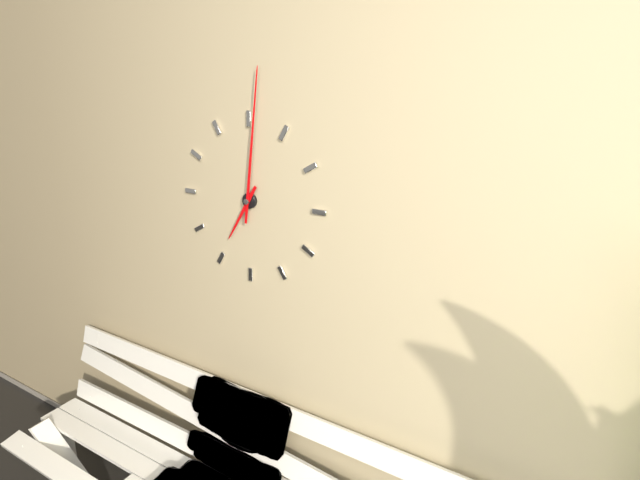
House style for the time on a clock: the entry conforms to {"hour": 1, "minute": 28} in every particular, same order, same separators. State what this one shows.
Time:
{"hour": 7, "minute": 1}
